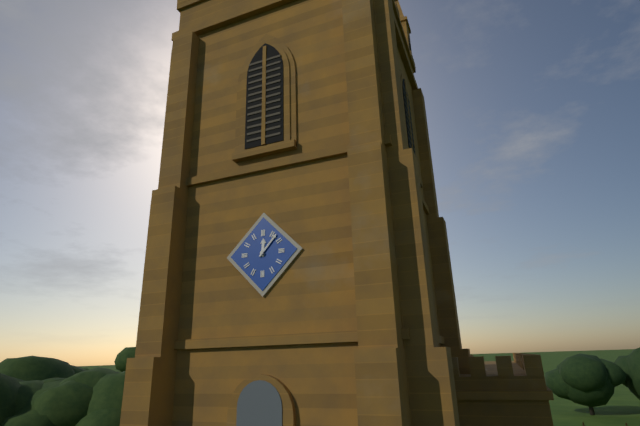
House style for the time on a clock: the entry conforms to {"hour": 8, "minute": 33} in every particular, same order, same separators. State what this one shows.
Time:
{"hour": 12, "minute": 7}
